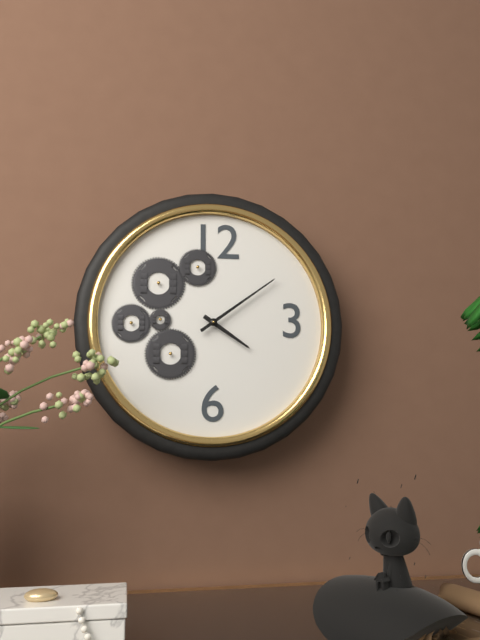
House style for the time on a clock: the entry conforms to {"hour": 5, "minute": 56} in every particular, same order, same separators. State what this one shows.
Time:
{"hour": 4, "minute": 9}
